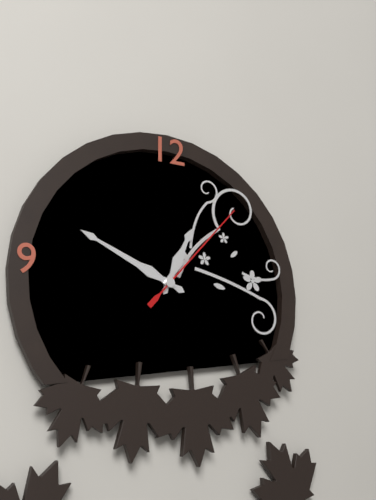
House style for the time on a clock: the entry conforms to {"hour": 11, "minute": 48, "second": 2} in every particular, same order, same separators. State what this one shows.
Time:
{"hour": 12, "minute": 49, "second": 7}
